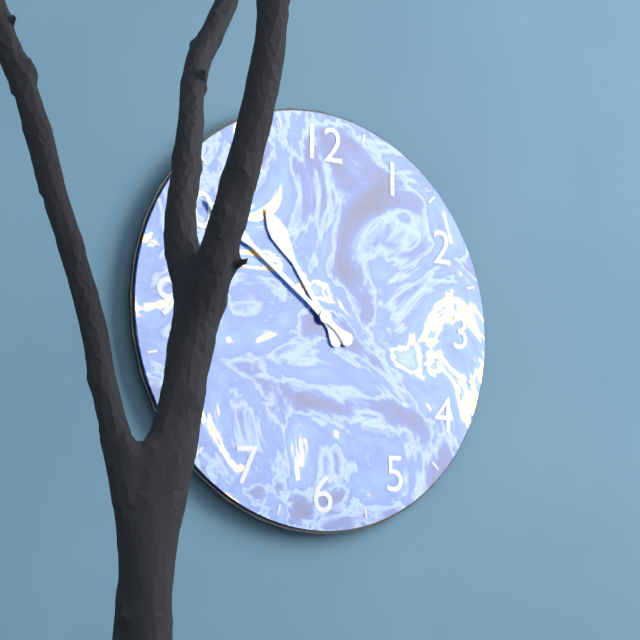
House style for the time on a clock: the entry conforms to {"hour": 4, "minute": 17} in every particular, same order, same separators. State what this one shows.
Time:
{"hour": 10, "minute": 51}
